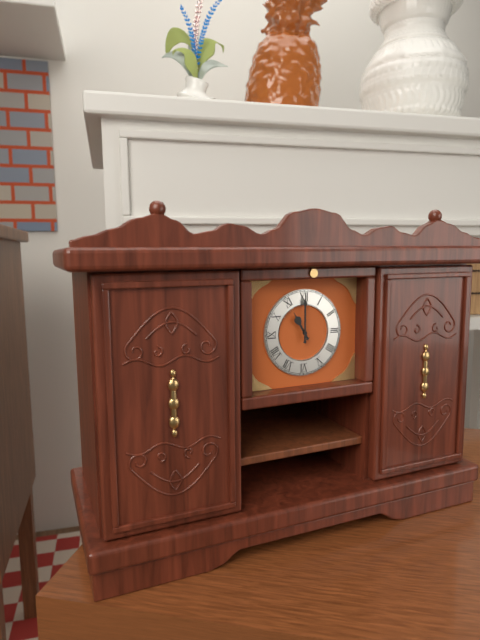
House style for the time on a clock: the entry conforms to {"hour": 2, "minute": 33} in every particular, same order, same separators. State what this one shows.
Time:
{"hour": 11, "minute": 0}
